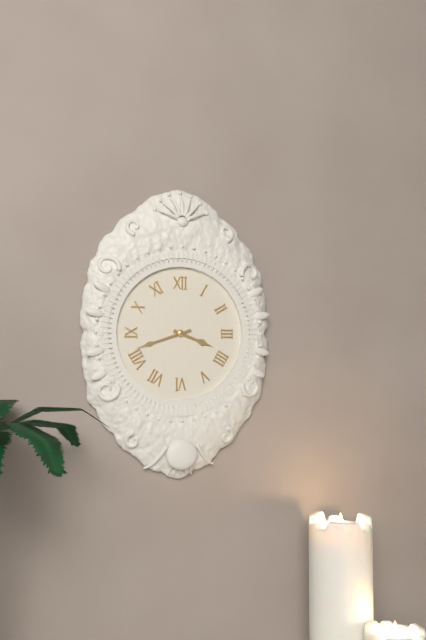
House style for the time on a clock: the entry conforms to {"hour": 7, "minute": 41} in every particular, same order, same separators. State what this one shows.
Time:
{"hour": 3, "minute": 42}
